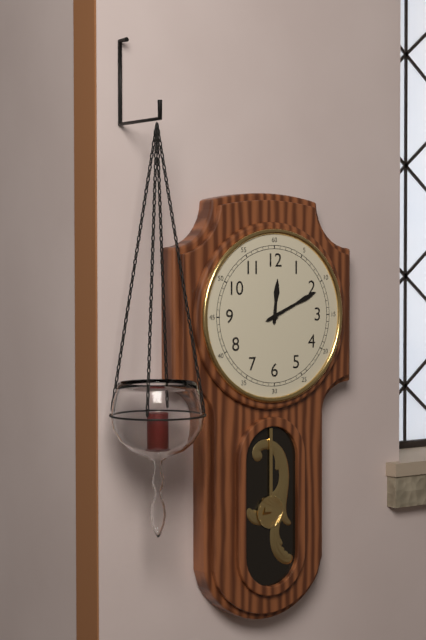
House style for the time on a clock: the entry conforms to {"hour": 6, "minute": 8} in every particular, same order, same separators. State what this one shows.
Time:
{"hour": 12, "minute": 11}
